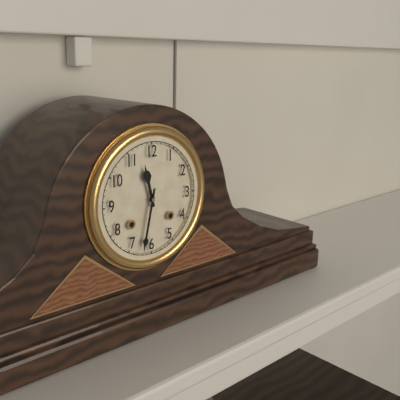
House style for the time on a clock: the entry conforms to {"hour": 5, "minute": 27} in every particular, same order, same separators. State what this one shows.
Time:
{"hour": 11, "minute": 32}
